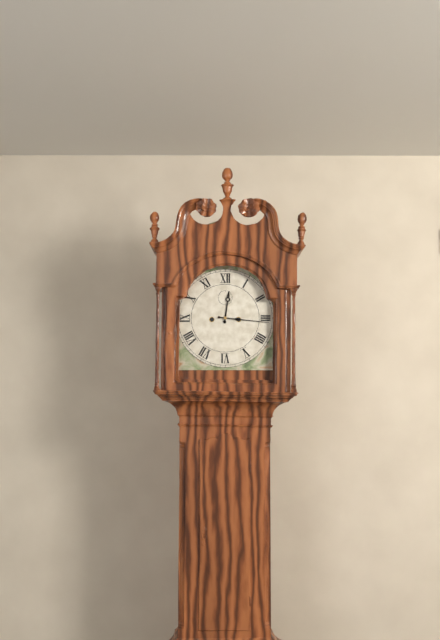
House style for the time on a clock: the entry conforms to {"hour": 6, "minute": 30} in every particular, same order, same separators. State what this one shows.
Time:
{"hour": 12, "minute": 16}
